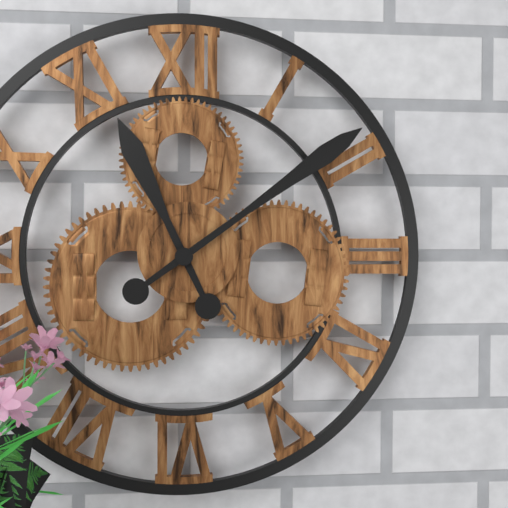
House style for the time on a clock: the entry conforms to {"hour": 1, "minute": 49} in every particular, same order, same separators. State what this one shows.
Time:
{"hour": 11, "minute": 9}
